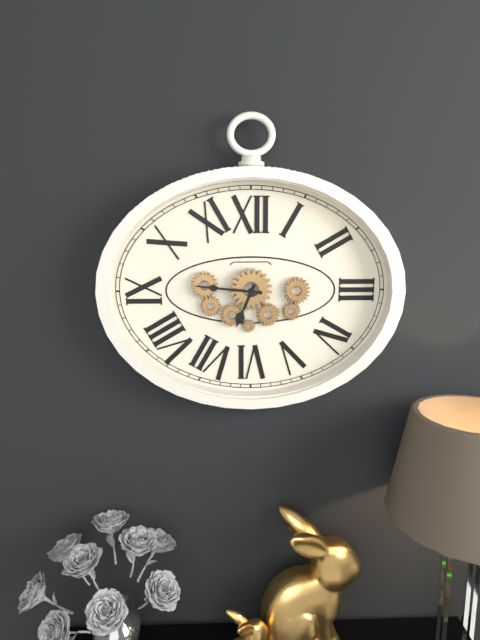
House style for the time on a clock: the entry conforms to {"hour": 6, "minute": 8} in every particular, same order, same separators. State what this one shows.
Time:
{"hour": 6, "minute": 46}
